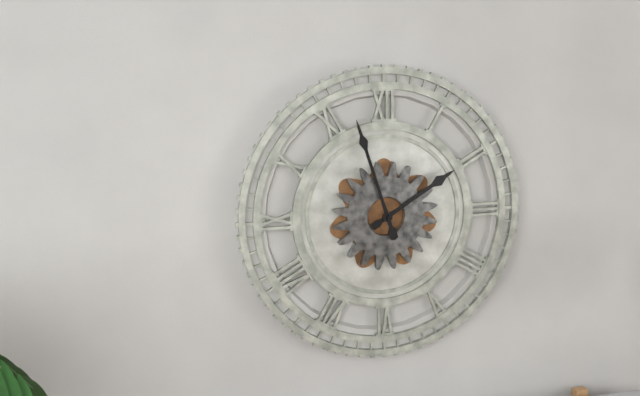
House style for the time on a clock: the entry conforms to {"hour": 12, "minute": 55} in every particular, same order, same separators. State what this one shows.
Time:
{"hour": 1, "minute": 57}
